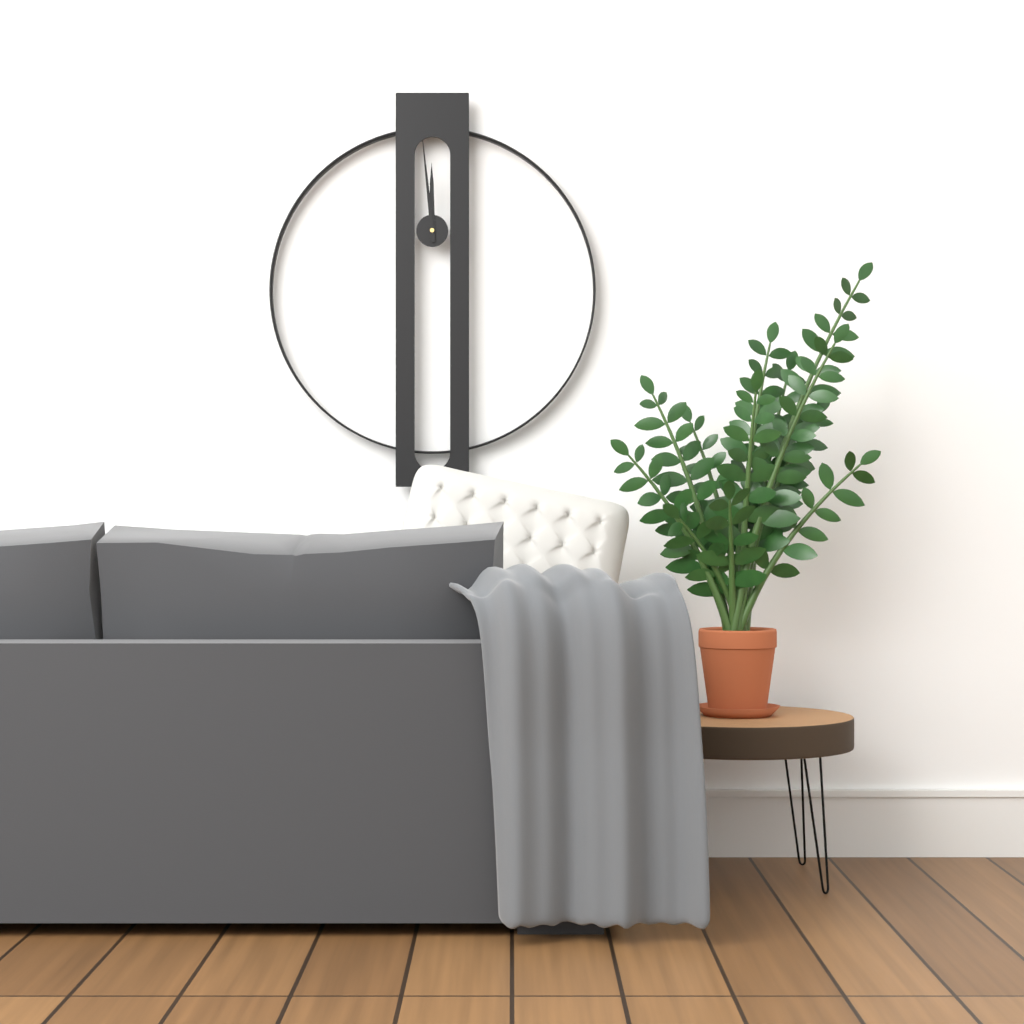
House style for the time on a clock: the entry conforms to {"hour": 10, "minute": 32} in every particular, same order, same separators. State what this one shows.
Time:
{"hour": 11, "minute": 59}
